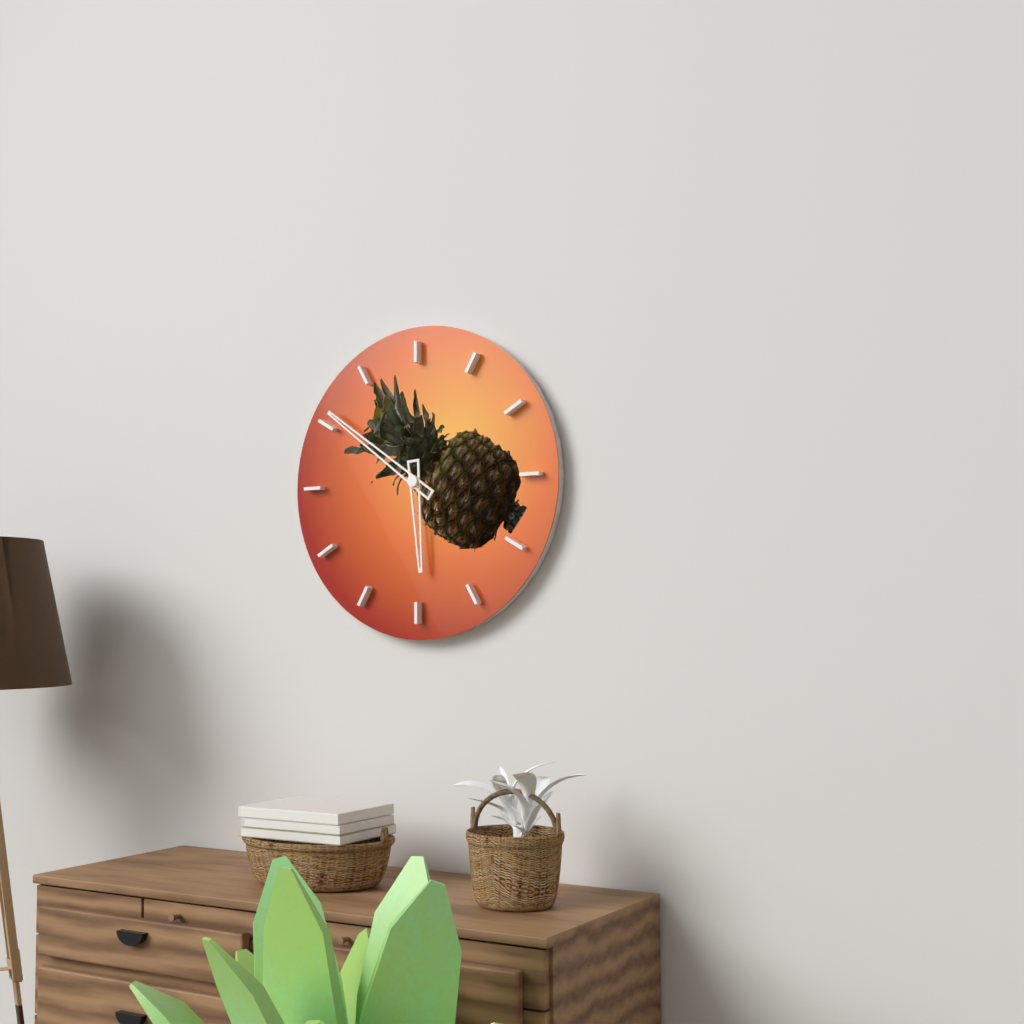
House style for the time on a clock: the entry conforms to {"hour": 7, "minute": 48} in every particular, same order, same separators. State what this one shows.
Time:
{"hour": 5, "minute": 51}
